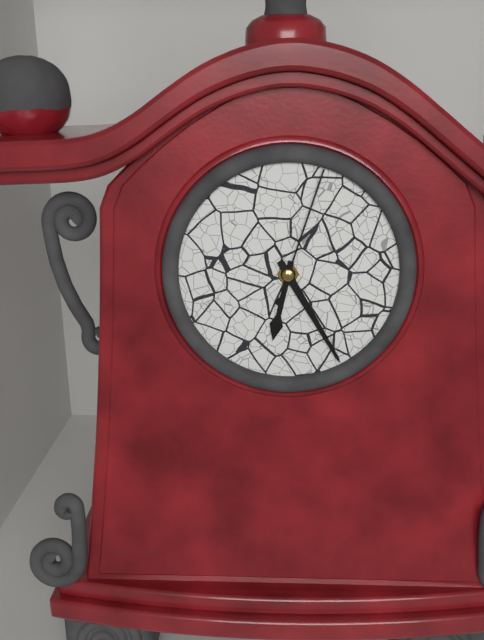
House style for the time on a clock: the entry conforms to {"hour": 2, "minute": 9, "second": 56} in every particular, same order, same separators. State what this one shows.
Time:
{"hour": 6, "minute": 25, "second": 3}
